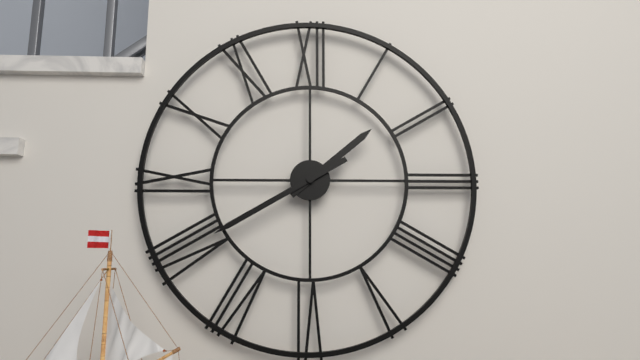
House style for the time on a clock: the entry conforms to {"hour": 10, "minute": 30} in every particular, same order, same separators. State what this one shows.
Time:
{"hour": 1, "minute": 40}
